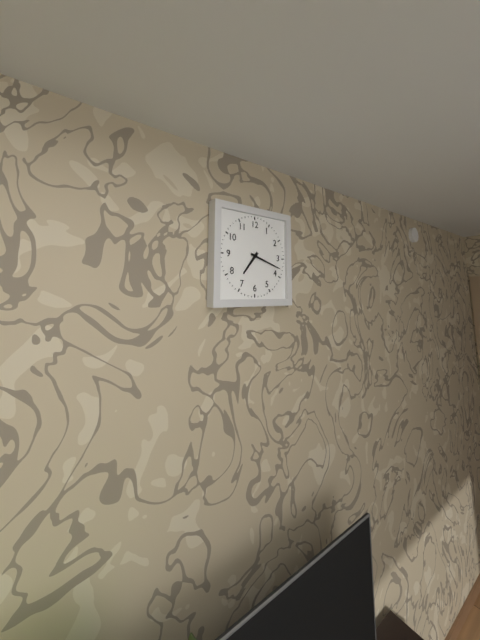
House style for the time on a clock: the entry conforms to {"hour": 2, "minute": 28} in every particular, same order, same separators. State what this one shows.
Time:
{"hour": 7, "minute": 18}
